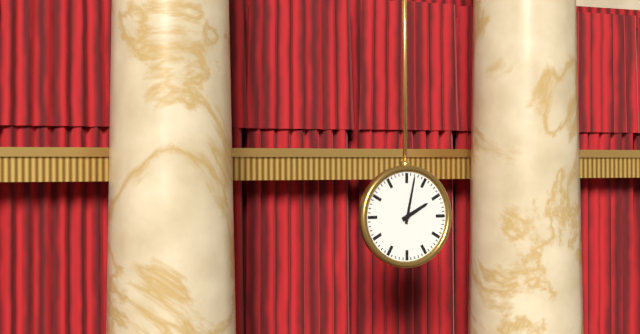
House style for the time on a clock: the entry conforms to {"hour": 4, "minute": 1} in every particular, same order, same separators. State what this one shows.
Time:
{"hour": 2, "minute": 2}
